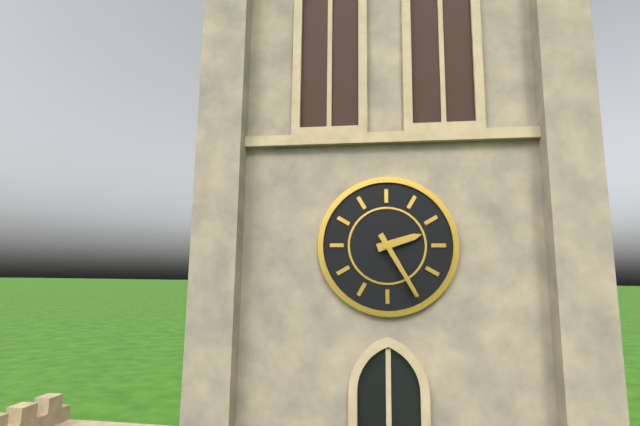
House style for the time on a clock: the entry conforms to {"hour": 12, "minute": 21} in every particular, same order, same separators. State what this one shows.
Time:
{"hour": 2, "minute": 25}
